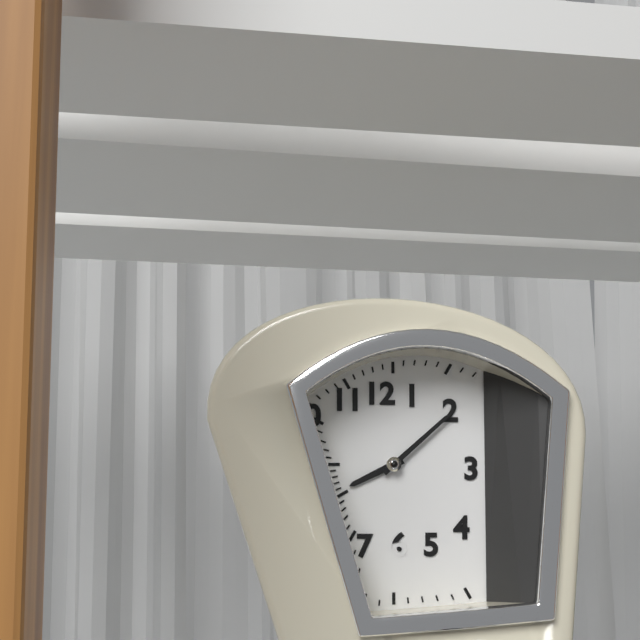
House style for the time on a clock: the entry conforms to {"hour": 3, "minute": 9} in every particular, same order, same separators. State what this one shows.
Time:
{"hour": 8, "minute": 8}
